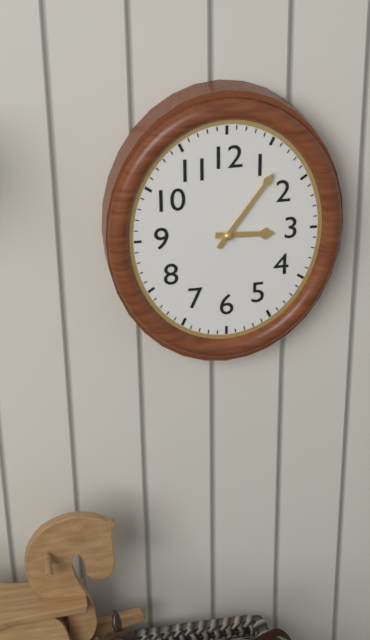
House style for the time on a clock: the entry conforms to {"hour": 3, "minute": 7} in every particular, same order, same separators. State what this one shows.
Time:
{"hour": 3, "minute": 6}
